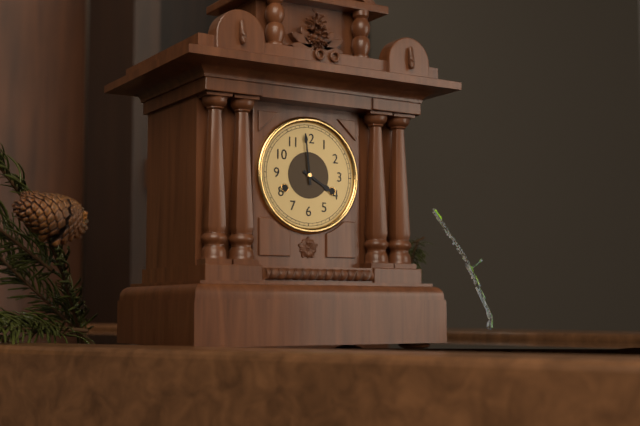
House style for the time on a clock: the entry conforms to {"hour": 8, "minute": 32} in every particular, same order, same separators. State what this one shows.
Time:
{"hour": 3, "minute": 59}
